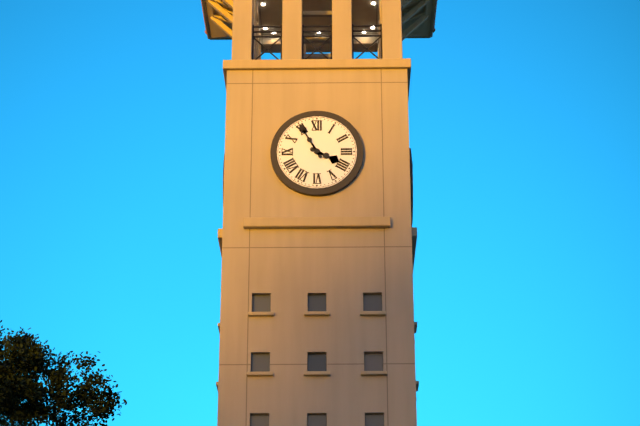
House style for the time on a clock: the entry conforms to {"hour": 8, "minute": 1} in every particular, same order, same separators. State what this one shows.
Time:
{"hour": 3, "minute": 55}
